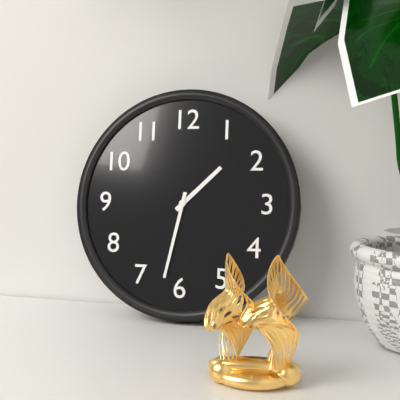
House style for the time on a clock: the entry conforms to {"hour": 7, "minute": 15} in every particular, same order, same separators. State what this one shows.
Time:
{"hour": 1, "minute": 32}
